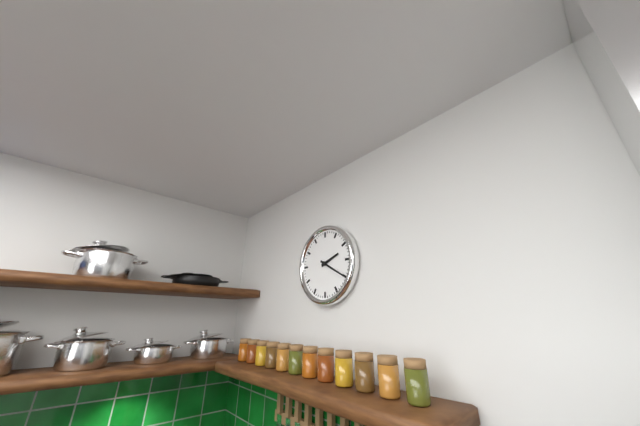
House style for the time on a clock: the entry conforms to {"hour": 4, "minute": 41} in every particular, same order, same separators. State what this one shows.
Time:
{"hour": 2, "minute": 20}
